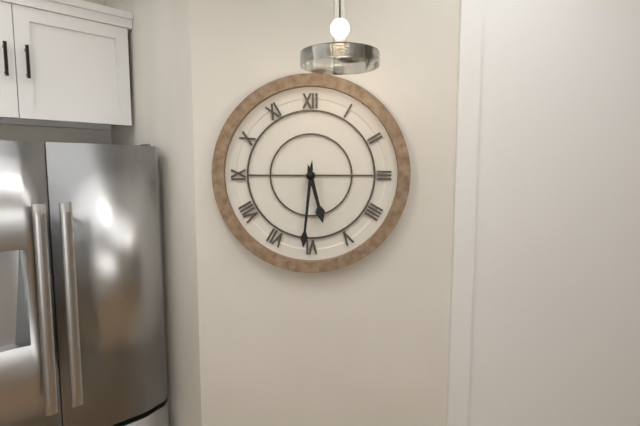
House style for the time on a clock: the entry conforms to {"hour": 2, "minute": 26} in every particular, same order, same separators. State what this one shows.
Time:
{"hour": 5, "minute": 31}
